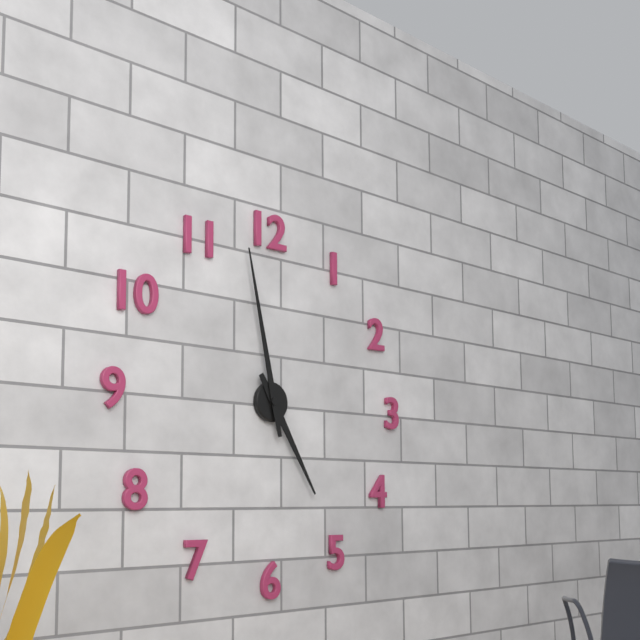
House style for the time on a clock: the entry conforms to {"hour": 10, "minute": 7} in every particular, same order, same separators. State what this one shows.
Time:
{"hour": 4, "minute": 58}
